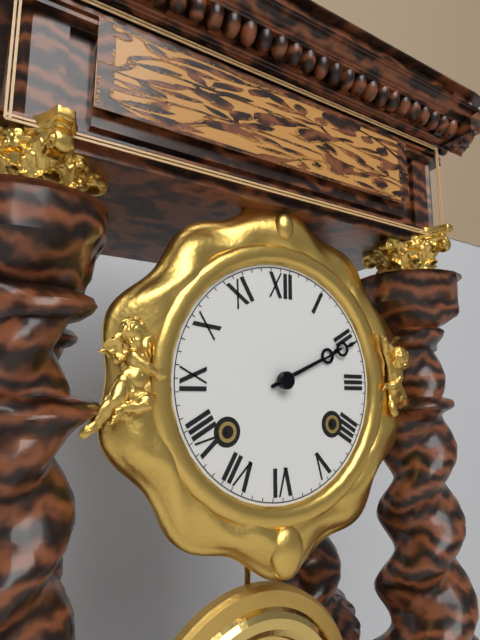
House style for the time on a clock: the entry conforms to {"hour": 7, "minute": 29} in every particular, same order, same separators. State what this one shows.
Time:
{"hour": 2, "minute": 11}
